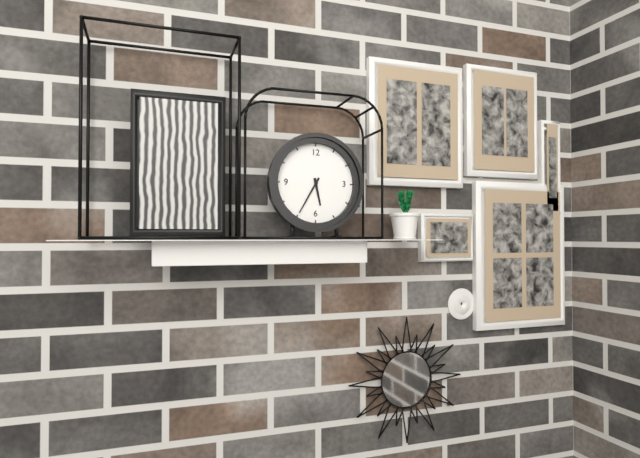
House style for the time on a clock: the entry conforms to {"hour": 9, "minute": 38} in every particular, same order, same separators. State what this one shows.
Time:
{"hour": 5, "minute": 35}
